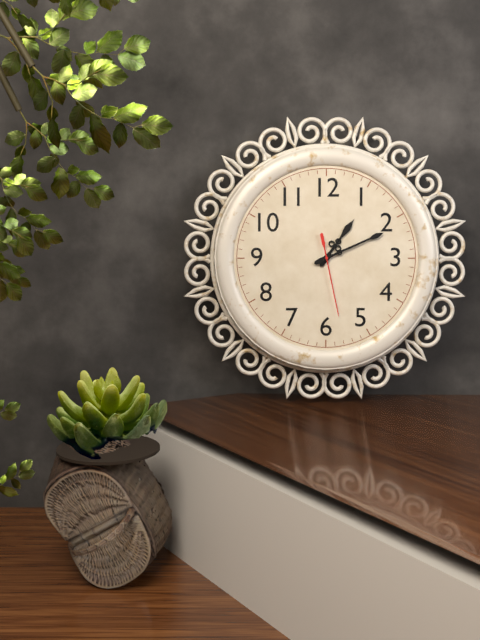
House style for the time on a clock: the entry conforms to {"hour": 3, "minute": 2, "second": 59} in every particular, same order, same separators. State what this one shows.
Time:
{"hour": 1, "minute": 11, "second": 28}
